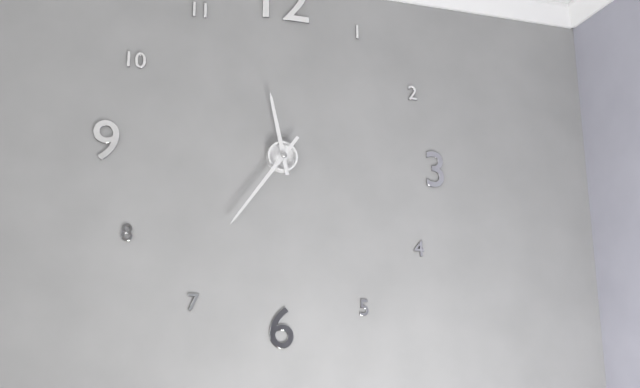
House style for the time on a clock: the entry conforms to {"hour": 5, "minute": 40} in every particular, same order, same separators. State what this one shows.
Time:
{"hour": 11, "minute": 36}
